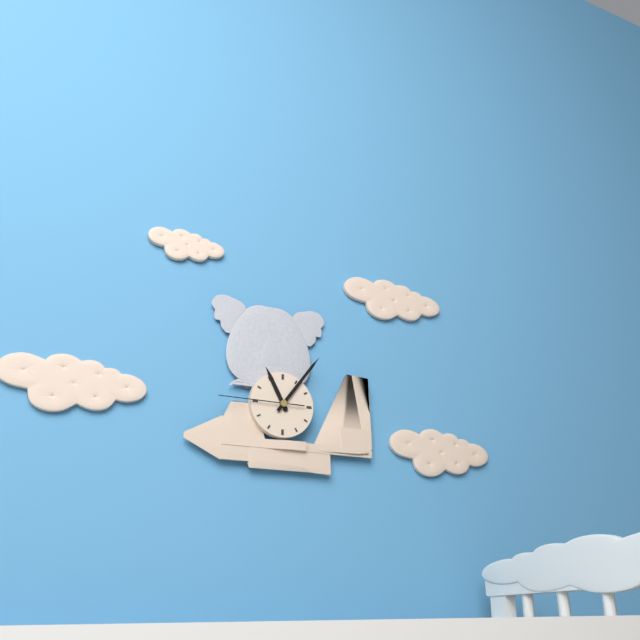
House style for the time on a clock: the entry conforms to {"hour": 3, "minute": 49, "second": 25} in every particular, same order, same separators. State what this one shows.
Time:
{"hour": 11, "minute": 6, "second": 45}
